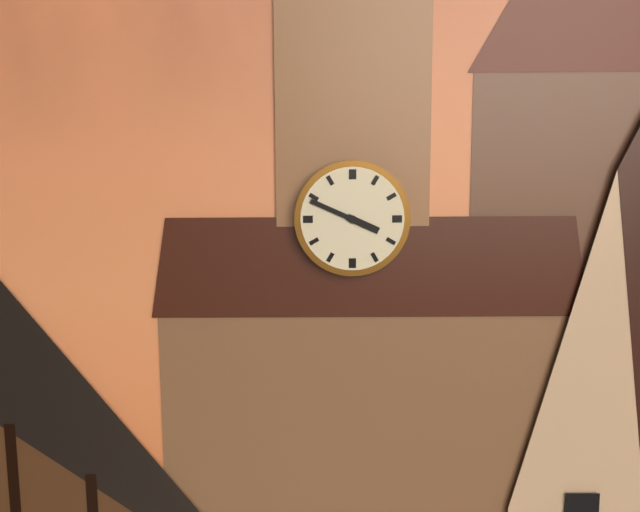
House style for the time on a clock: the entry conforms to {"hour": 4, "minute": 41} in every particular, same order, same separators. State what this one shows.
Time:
{"hour": 3, "minute": 49}
